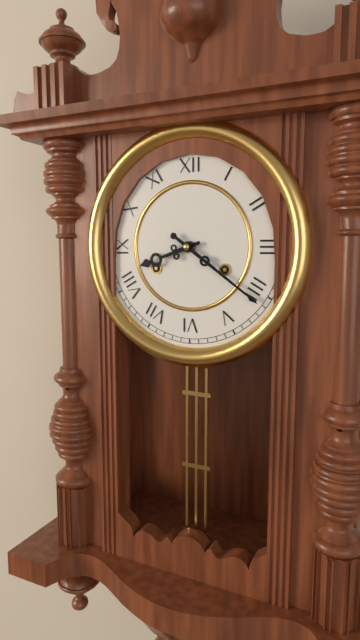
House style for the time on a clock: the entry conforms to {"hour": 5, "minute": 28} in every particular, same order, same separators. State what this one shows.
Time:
{"hour": 8, "minute": 21}
